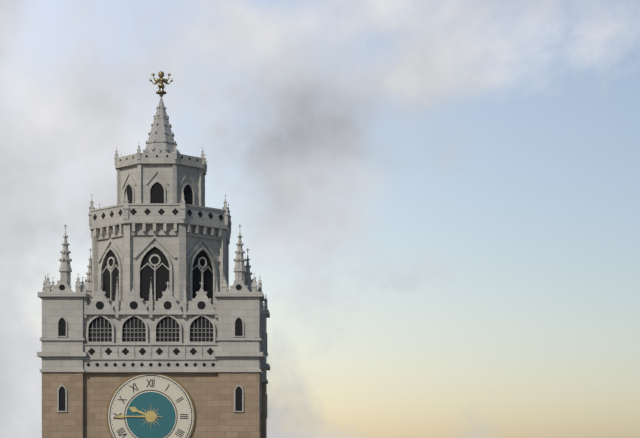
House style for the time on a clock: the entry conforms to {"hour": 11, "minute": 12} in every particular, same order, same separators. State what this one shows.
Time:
{"hour": 9, "minute": 45}
